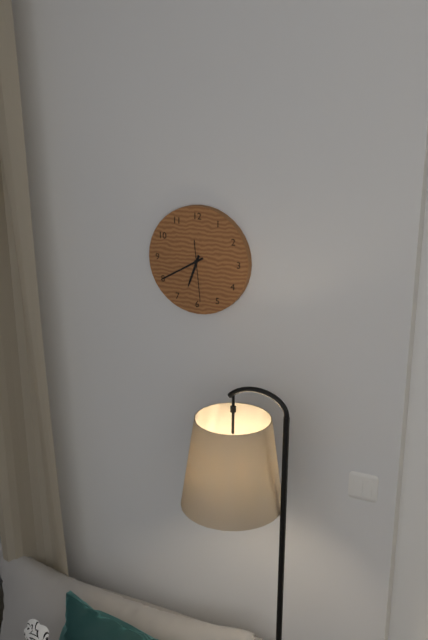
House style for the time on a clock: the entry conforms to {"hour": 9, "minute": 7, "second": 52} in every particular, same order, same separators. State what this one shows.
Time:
{"hour": 6, "minute": 40, "second": 29}
